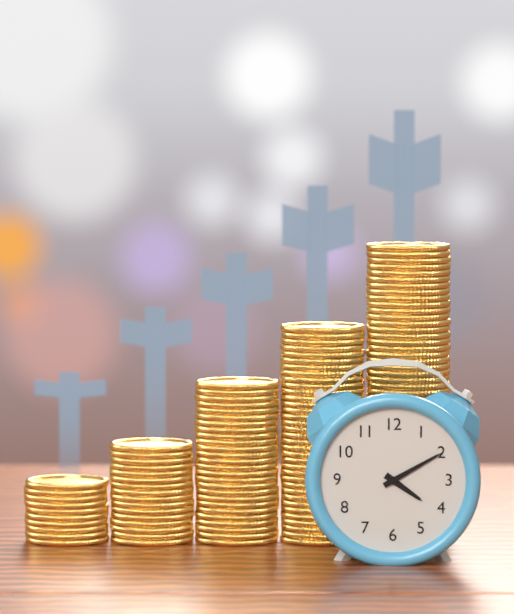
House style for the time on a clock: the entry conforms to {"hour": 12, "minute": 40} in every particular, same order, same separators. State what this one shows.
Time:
{"hour": 4, "minute": 10}
